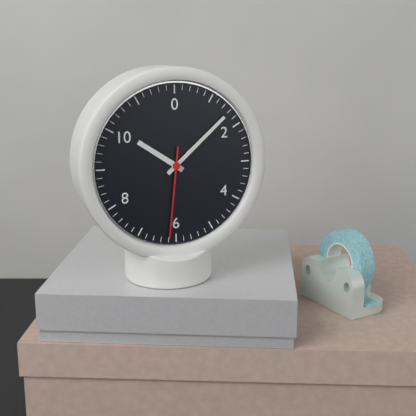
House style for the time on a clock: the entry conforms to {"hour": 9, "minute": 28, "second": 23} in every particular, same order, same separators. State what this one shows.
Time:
{"hour": 10, "minute": 8, "second": 31}
